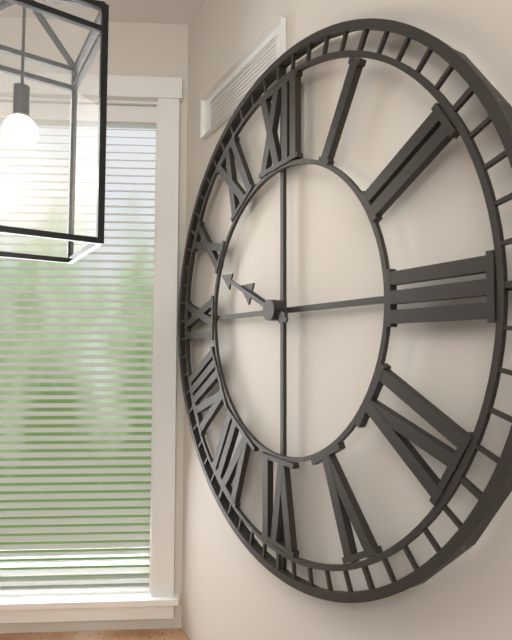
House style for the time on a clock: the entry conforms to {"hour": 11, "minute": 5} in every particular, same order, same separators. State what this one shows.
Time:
{"hour": 9, "minute": 49}
